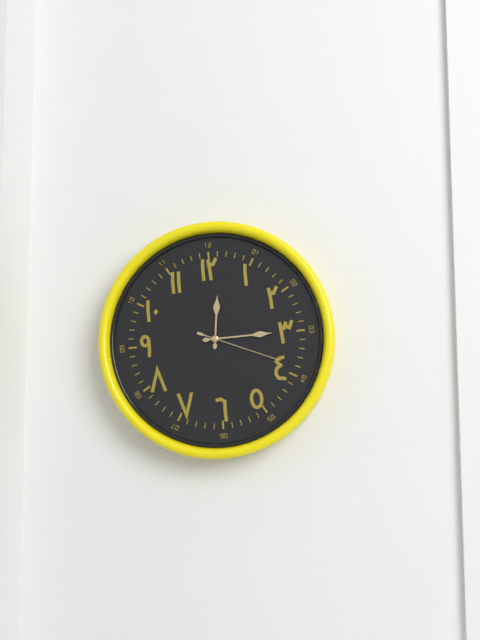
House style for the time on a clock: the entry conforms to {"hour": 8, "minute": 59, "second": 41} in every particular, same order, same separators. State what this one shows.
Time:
{"hour": 12, "minute": 15, "second": 19}
